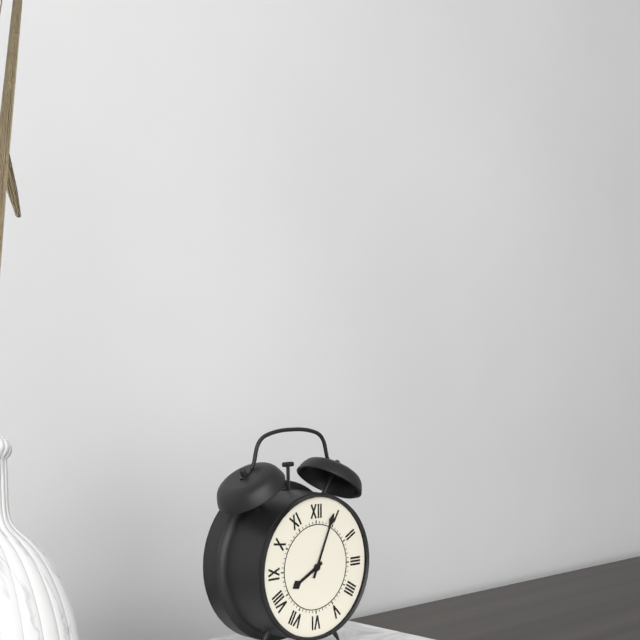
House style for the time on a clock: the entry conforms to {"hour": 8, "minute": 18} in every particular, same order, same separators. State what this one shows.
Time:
{"hour": 8, "minute": 4}
